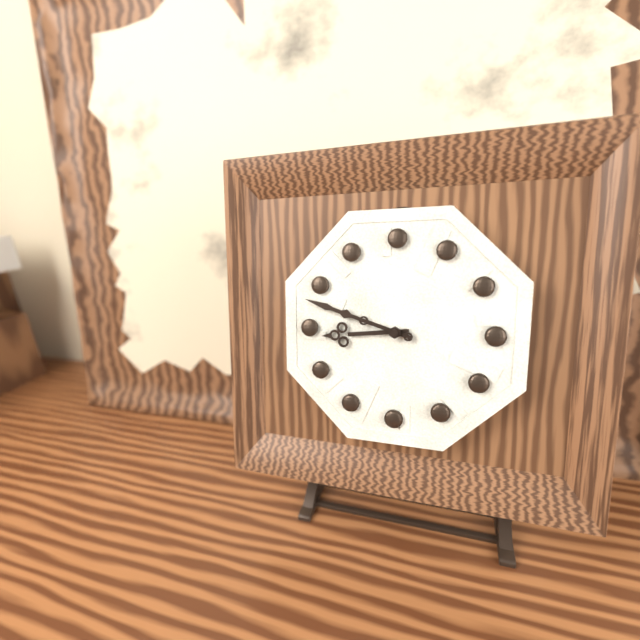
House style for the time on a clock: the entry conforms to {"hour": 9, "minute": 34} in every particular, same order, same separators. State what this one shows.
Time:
{"hour": 8, "minute": 48}
